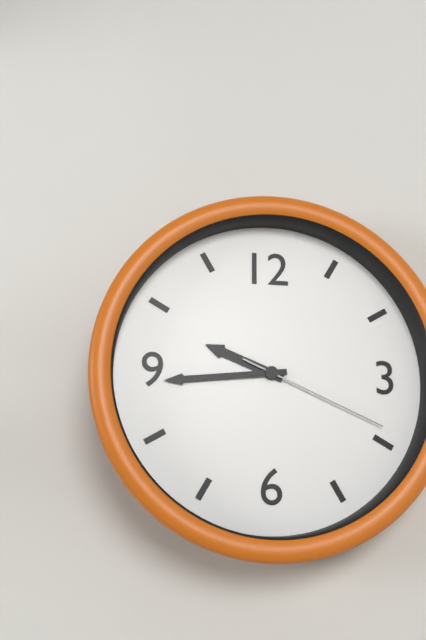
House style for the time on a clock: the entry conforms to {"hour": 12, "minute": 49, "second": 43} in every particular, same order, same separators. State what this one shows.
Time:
{"hour": 9, "minute": 44, "second": 19}
